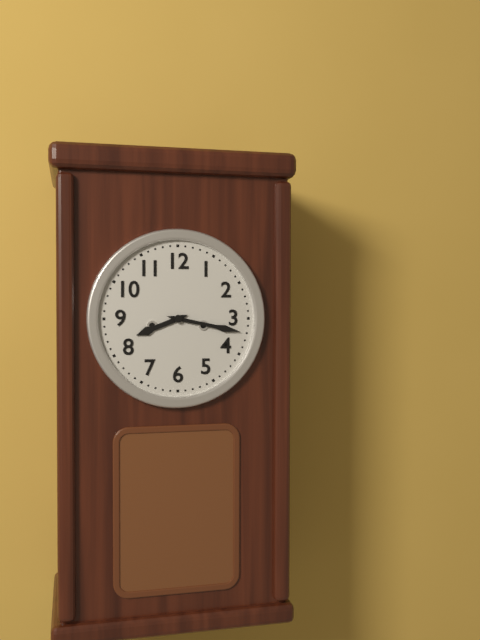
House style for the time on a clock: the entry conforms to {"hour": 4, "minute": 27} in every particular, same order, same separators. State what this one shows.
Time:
{"hour": 8, "minute": 17}
